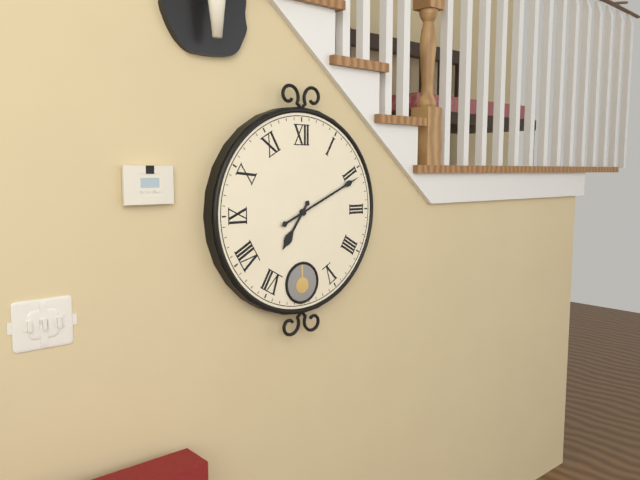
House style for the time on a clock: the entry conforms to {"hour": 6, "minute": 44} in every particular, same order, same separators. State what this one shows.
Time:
{"hour": 7, "minute": 11}
